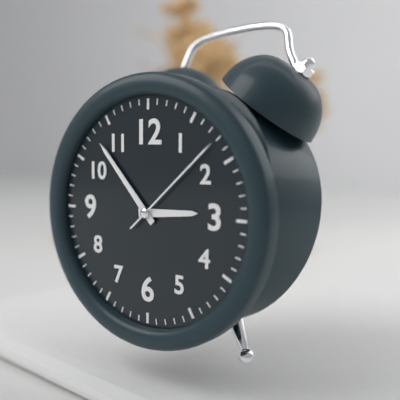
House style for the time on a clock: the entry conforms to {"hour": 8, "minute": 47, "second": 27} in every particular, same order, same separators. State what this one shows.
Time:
{"hour": 2, "minute": 53, "second": 8}
